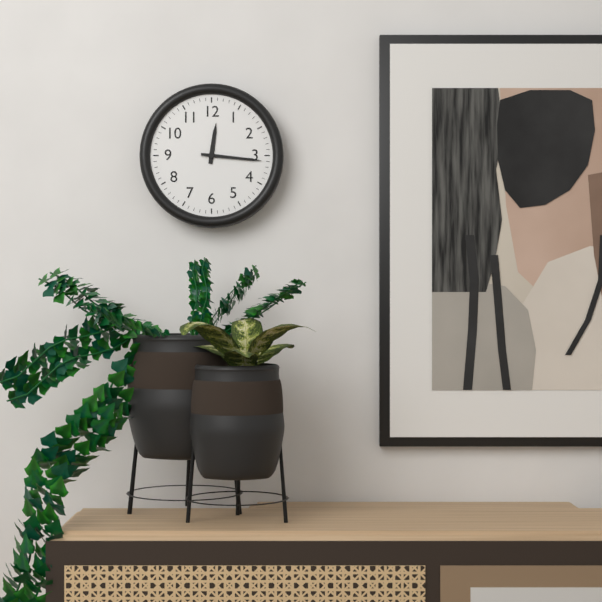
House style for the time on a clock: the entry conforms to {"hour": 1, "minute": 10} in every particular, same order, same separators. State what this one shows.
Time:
{"hour": 12, "minute": 16}
